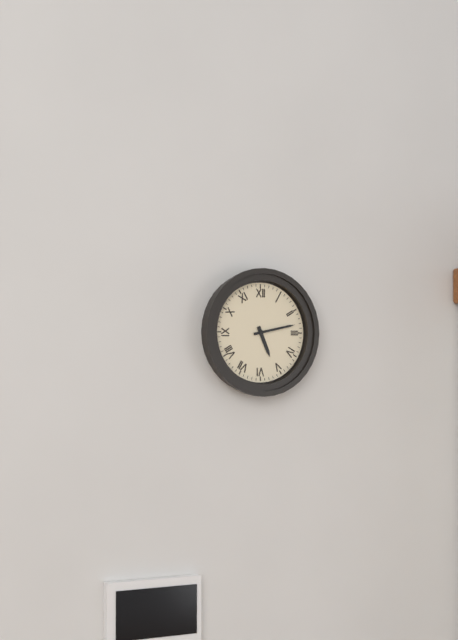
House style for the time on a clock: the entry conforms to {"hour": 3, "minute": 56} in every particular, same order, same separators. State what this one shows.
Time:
{"hour": 5, "minute": 13}
